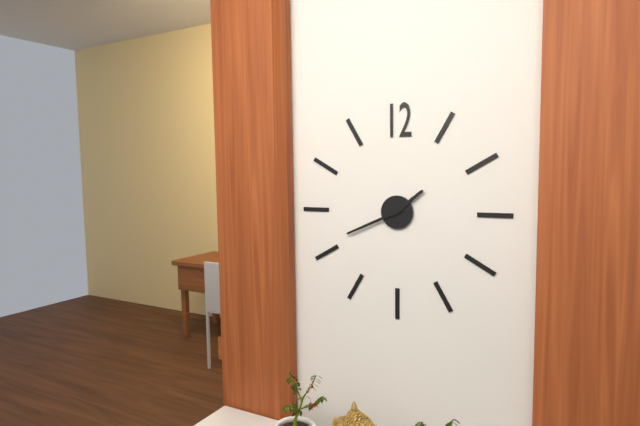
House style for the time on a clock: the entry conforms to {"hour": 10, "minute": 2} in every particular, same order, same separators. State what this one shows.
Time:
{"hour": 1, "minute": 41}
